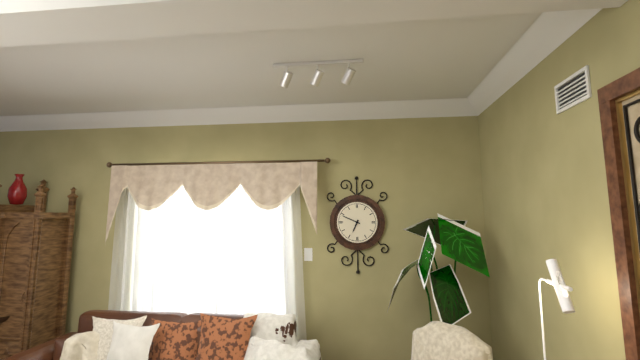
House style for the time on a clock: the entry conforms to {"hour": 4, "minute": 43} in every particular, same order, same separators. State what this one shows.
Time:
{"hour": 6, "minute": 49}
